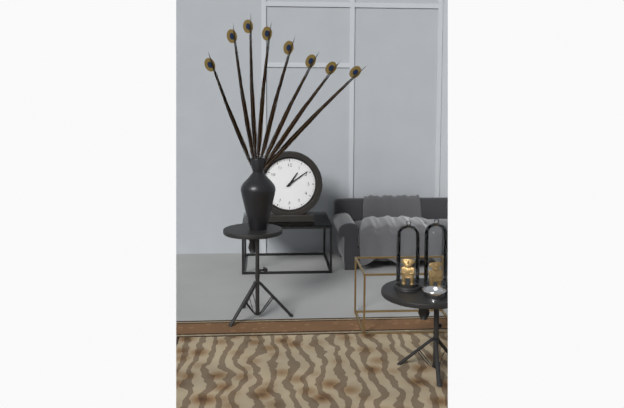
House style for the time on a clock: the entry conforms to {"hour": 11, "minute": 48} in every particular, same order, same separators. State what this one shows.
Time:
{"hour": 1, "minute": 9}
